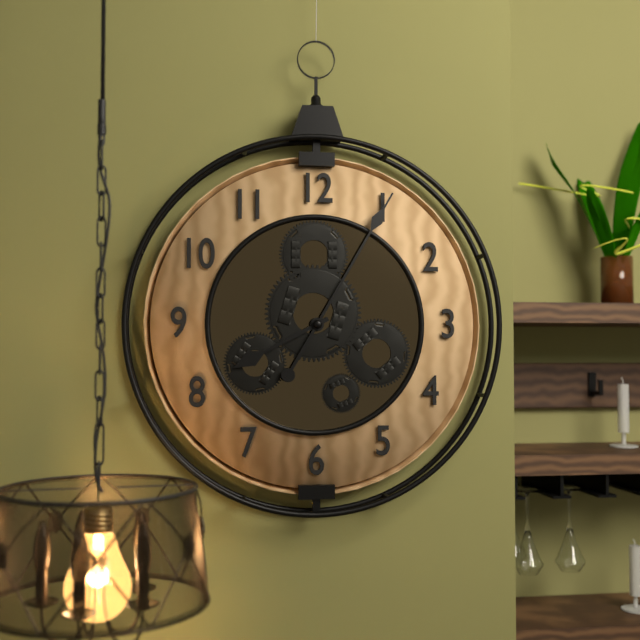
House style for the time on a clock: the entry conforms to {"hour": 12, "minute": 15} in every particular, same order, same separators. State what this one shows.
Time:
{"hour": 8, "minute": 5}
